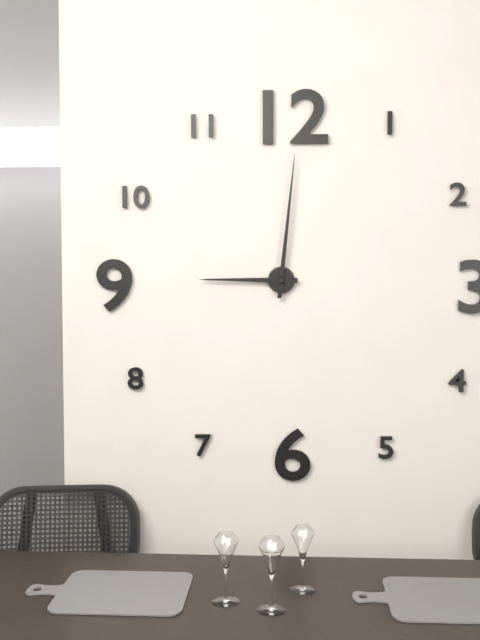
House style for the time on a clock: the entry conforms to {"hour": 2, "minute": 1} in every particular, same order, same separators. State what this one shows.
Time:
{"hour": 9, "minute": 1}
